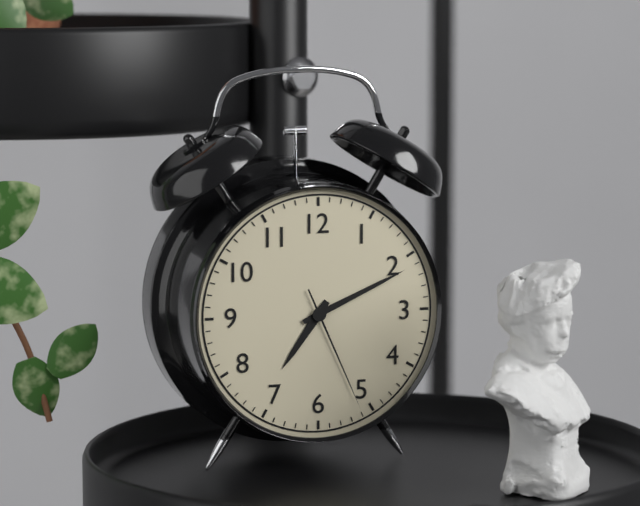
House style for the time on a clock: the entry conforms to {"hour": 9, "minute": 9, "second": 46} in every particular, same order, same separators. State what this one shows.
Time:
{"hour": 7, "minute": 11, "second": 26}
